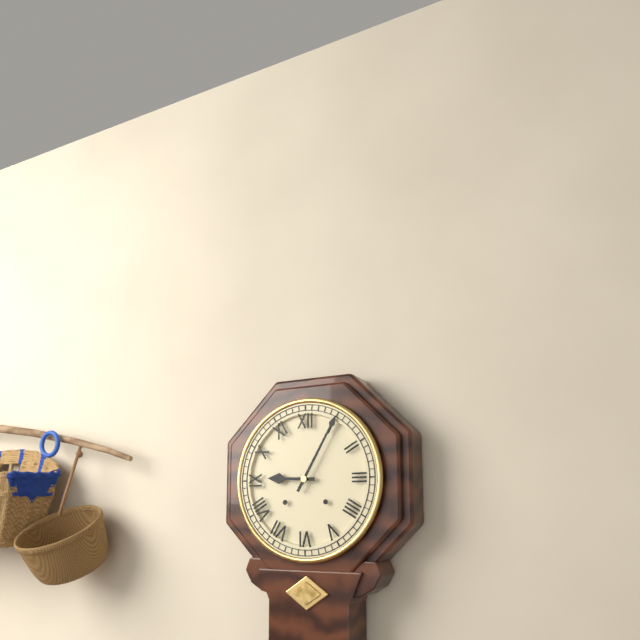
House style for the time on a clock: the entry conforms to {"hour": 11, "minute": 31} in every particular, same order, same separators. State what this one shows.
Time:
{"hour": 9, "minute": 5}
